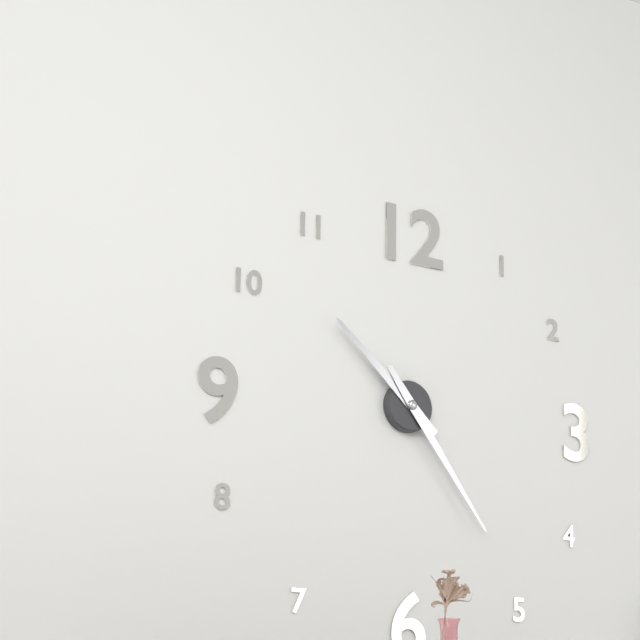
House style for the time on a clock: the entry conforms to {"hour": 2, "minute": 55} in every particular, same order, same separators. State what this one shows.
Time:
{"hour": 10, "minute": 24}
